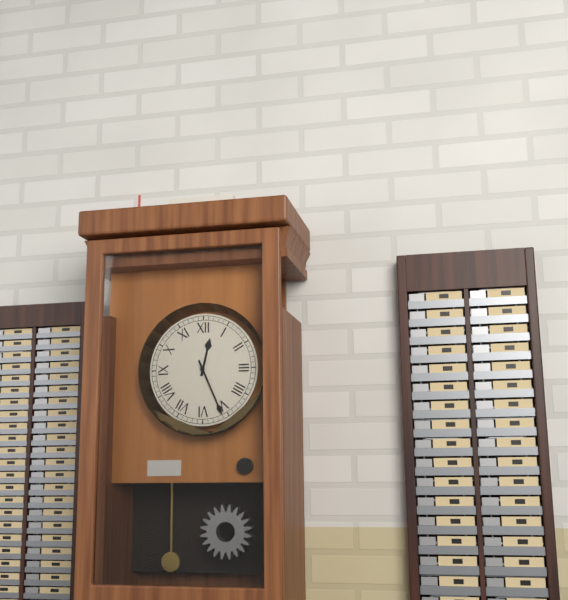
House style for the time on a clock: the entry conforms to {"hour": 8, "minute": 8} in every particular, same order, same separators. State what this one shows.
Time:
{"hour": 12, "minute": 26}
